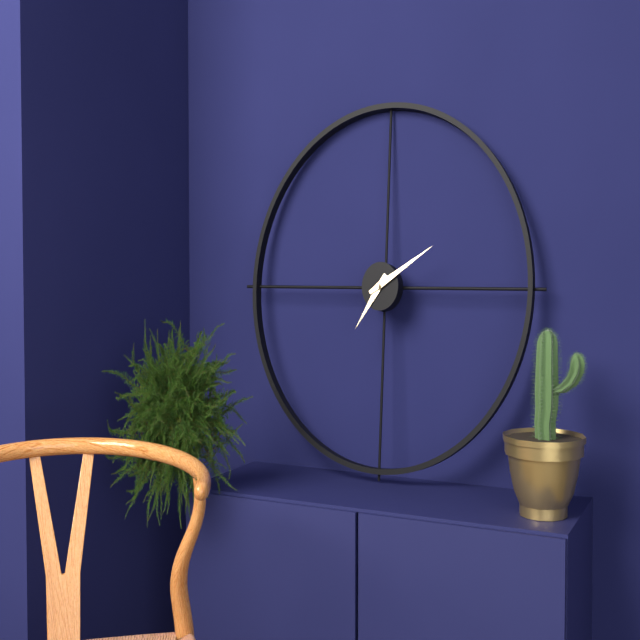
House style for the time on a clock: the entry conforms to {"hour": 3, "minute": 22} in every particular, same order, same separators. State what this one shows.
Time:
{"hour": 7, "minute": 10}
